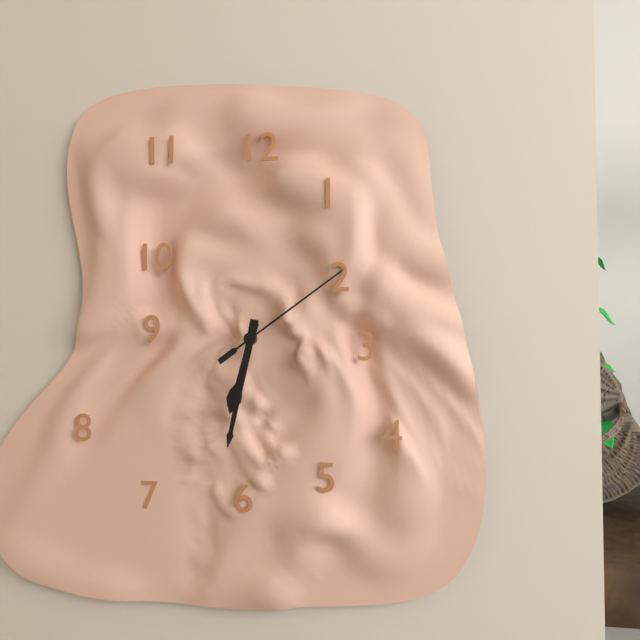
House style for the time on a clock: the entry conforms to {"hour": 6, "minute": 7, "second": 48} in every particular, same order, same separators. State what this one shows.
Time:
{"hour": 6, "minute": 32, "second": 9}
